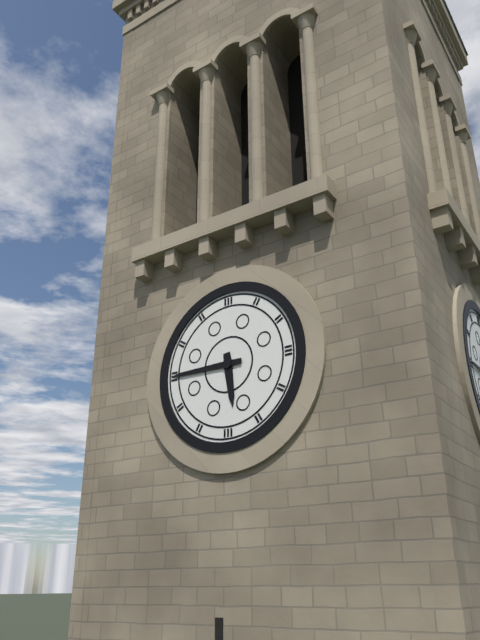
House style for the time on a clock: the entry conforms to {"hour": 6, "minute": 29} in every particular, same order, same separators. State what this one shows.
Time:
{"hour": 5, "minute": 45}
